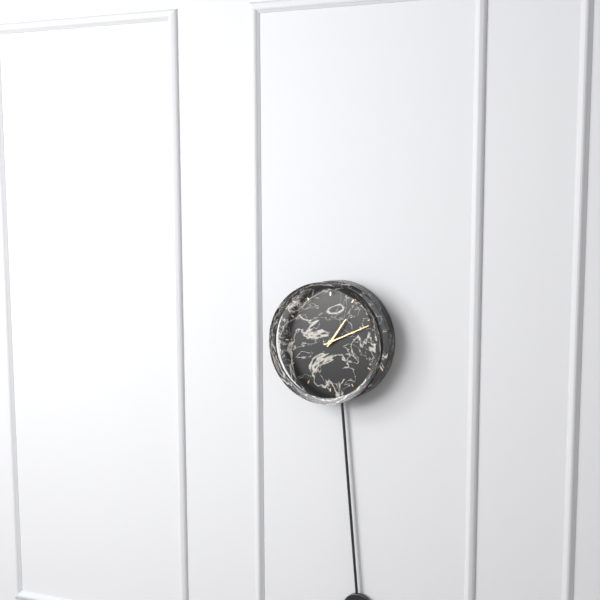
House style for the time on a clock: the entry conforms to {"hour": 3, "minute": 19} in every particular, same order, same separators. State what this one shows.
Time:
{"hour": 1, "minute": 11}
